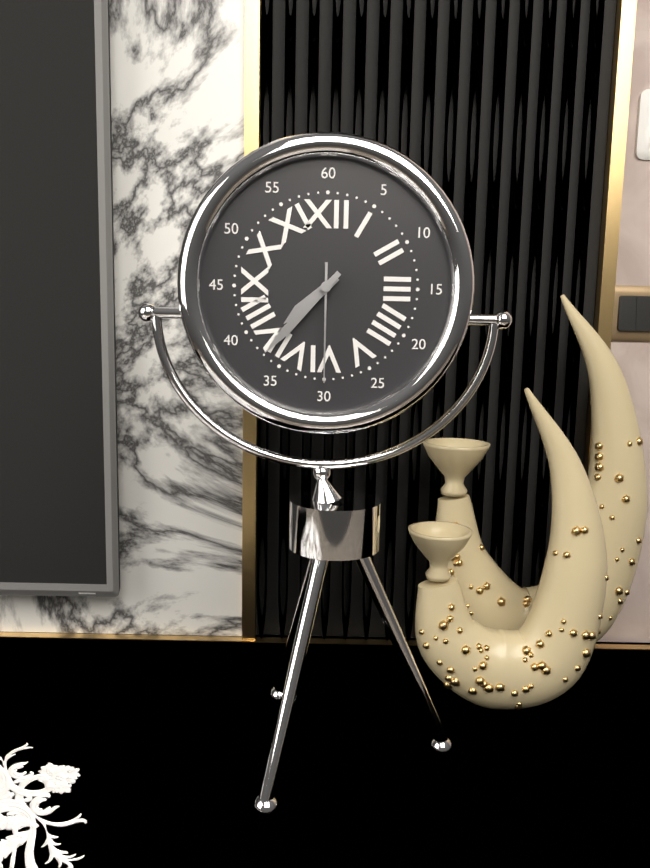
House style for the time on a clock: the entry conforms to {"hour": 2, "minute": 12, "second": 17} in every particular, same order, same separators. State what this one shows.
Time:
{"hour": 7, "minute": 37, "second": 30}
